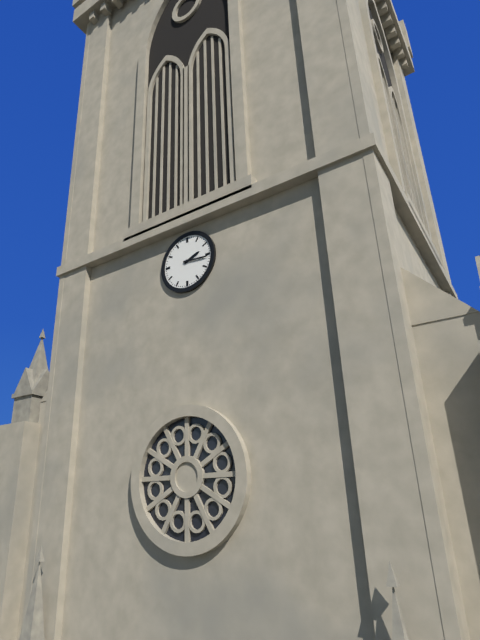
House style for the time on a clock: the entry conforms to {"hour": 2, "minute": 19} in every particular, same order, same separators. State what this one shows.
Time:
{"hour": 2, "minute": 16}
